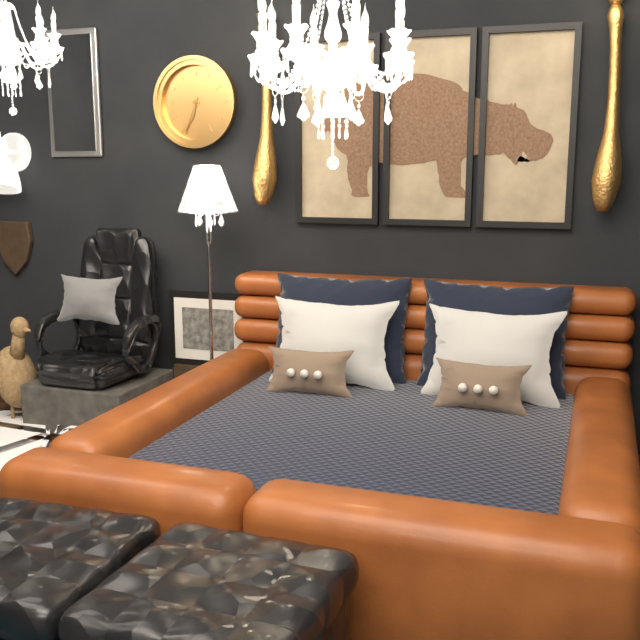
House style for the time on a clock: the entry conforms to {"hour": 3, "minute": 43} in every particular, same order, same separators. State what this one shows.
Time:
{"hour": 6, "minute": 34}
